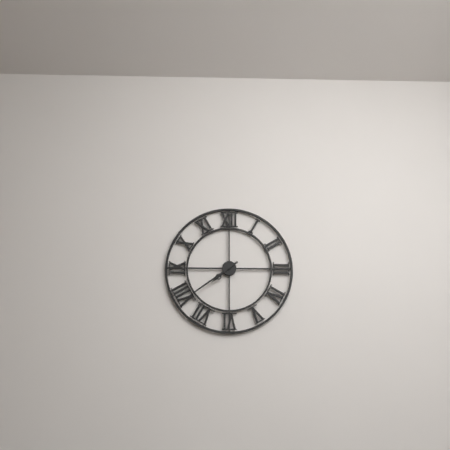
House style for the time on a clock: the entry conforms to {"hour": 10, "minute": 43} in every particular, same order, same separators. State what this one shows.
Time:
{"hour": 7, "minute": 39}
